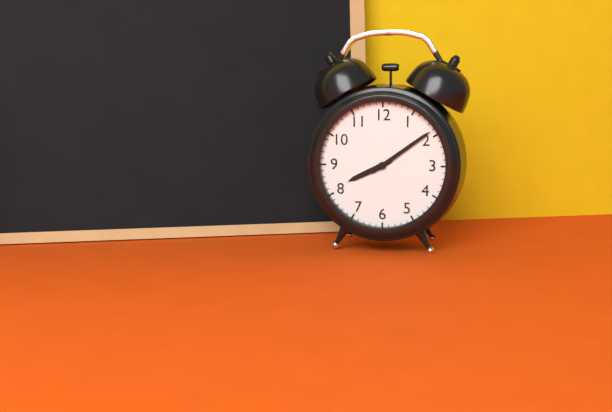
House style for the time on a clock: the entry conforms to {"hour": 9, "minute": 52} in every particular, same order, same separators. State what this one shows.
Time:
{"hour": 8, "minute": 9}
